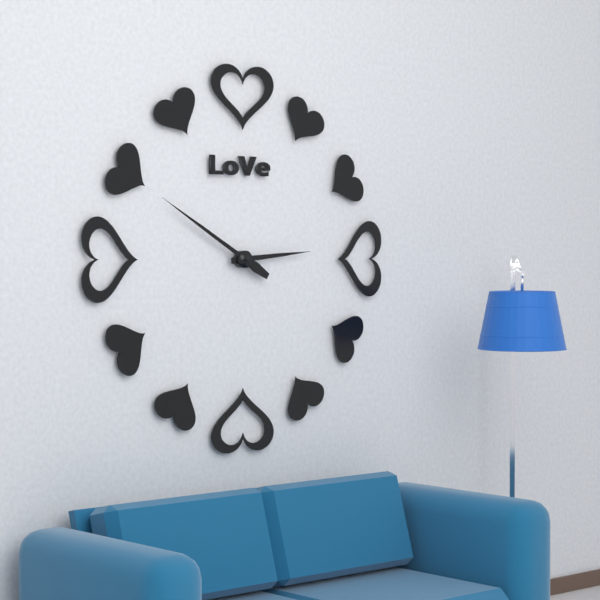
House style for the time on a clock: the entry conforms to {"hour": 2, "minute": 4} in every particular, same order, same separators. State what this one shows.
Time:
{"hour": 2, "minute": 50}
